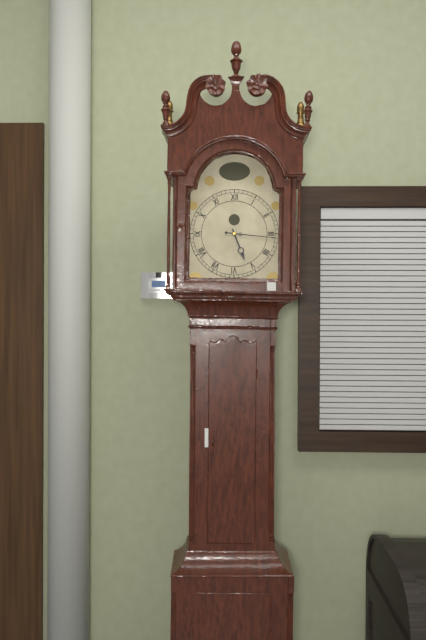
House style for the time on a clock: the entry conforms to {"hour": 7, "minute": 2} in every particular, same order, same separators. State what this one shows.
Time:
{"hour": 5, "minute": 16}
